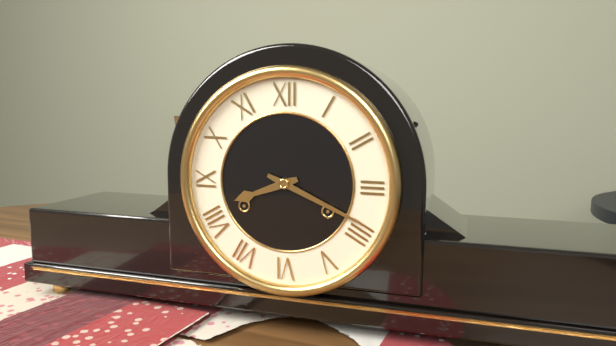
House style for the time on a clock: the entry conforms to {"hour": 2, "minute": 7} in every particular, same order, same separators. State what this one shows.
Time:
{"hour": 8, "minute": 19}
